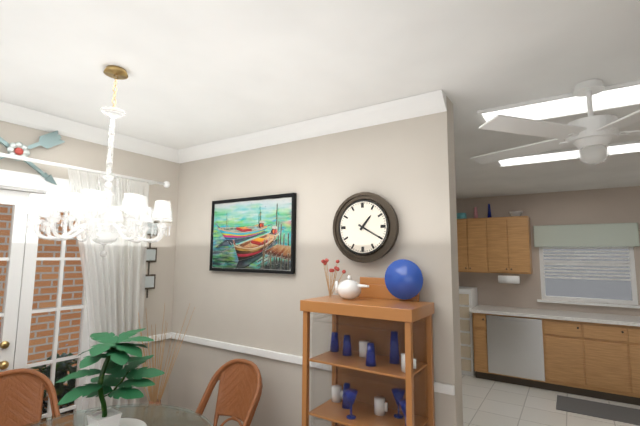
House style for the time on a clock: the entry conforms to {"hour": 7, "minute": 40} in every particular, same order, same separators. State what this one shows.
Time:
{"hour": 1, "minute": 20}
